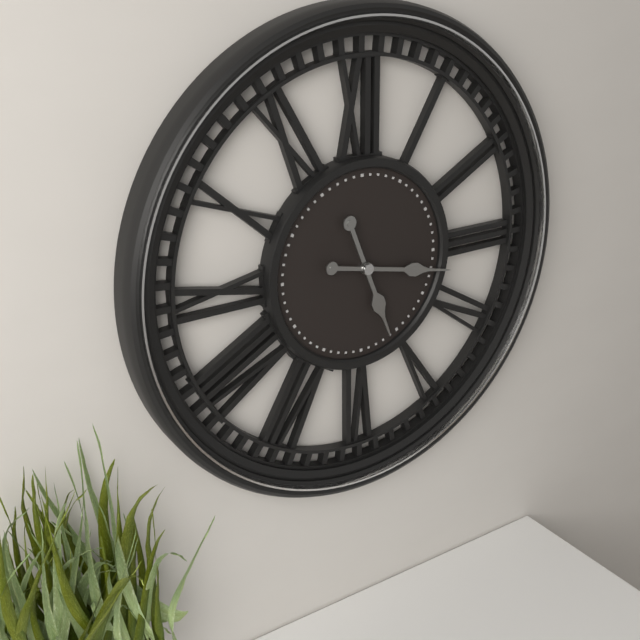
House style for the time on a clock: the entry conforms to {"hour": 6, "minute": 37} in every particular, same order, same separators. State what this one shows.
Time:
{"hour": 5, "minute": 17}
